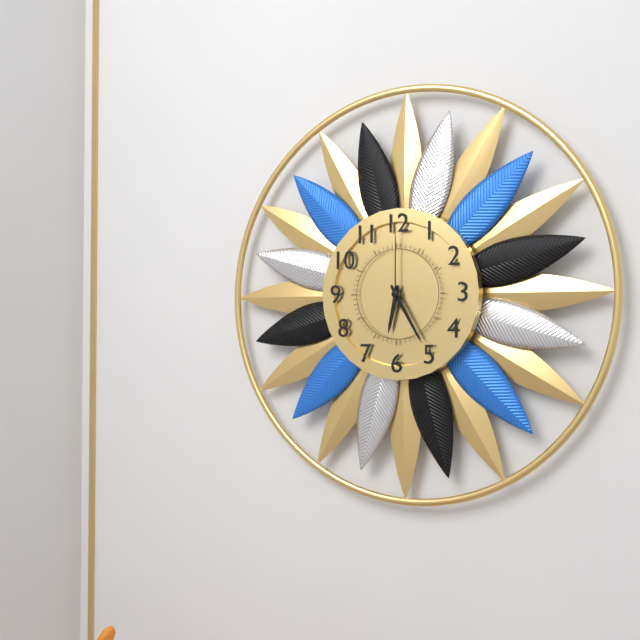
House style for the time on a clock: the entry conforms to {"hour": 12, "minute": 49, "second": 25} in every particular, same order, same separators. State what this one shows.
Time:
{"hour": 6, "minute": 25, "second": 0}
